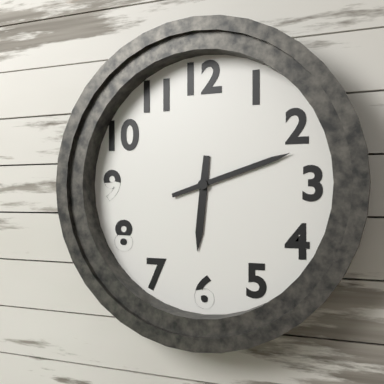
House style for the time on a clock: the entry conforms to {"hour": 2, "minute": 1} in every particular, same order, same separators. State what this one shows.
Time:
{"hour": 6, "minute": 12}
